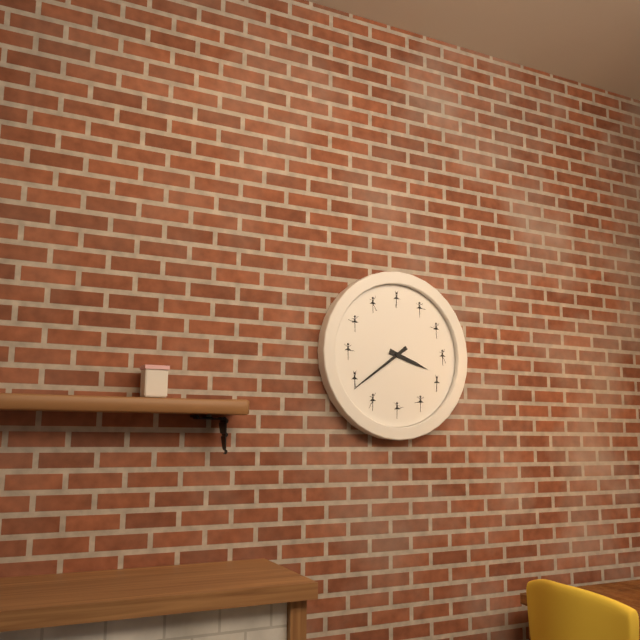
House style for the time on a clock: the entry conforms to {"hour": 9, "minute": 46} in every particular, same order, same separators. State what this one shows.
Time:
{"hour": 3, "minute": 39}
